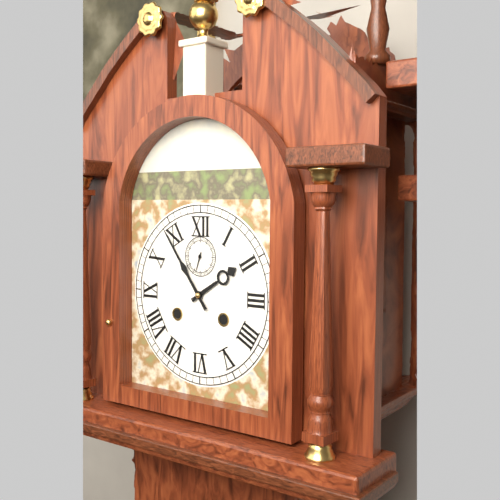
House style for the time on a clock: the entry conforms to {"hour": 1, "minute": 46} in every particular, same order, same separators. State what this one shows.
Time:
{"hour": 1, "minute": 54}
